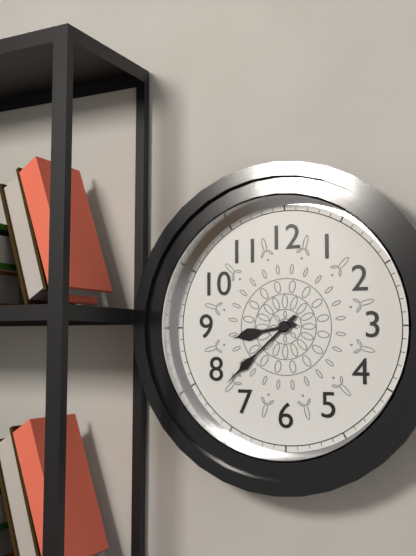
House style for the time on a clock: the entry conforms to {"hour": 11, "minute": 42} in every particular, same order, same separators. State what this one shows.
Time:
{"hour": 8, "minute": 38}
